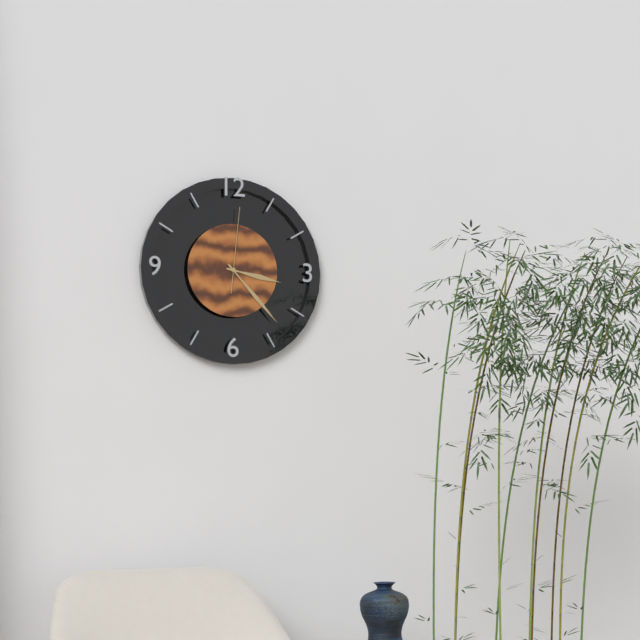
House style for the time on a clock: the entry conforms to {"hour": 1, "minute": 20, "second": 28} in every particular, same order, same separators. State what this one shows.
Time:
{"hour": 3, "minute": 23, "second": 1}
